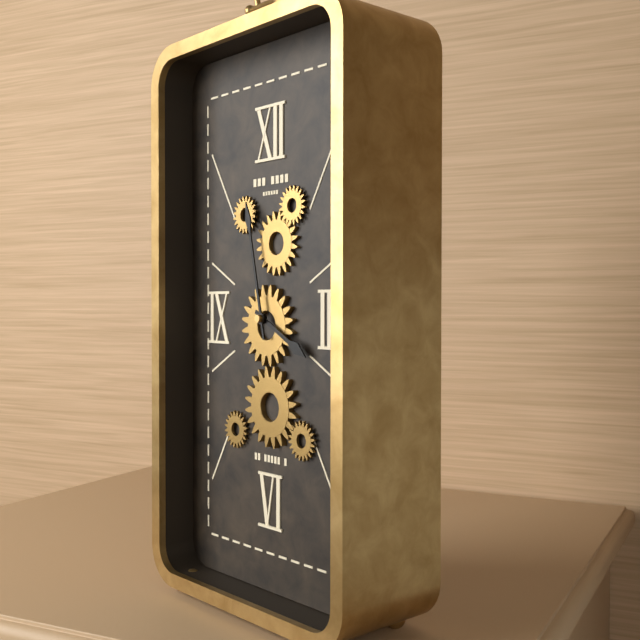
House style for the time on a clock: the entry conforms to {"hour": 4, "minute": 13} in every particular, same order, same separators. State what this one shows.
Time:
{"hour": 3, "minute": 58}
